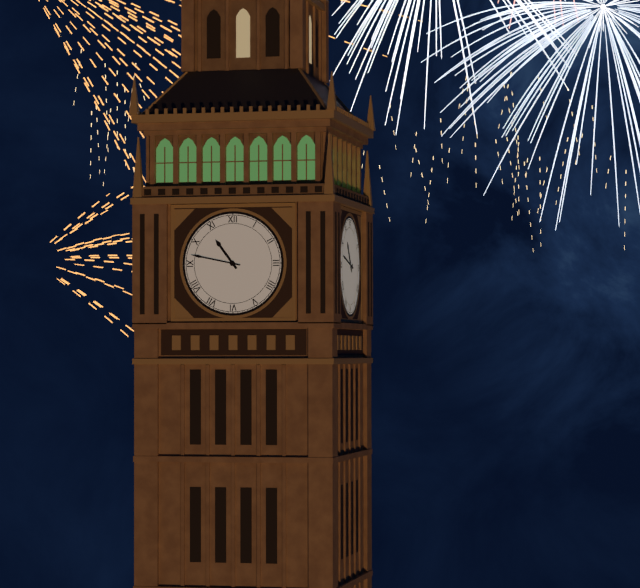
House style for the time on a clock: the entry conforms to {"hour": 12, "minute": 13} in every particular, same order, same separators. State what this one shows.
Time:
{"hour": 10, "minute": 47}
